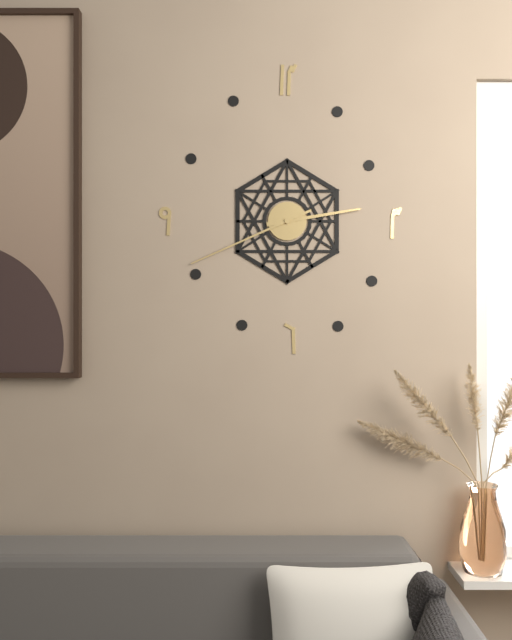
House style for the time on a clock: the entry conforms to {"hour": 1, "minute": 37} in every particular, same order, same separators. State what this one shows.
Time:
{"hour": 2, "minute": 41}
